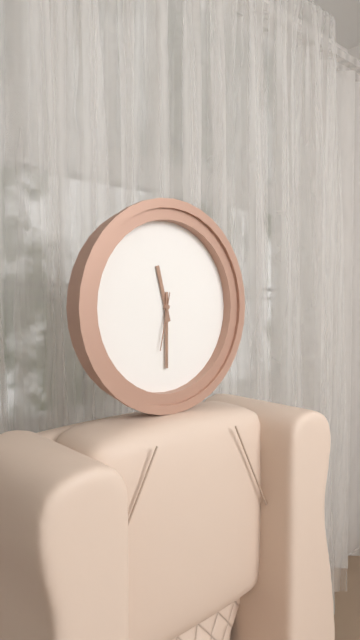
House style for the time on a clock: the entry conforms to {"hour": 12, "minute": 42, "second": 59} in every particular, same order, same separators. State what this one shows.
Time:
{"hour": 11, "minute": 30, "second": 32}
